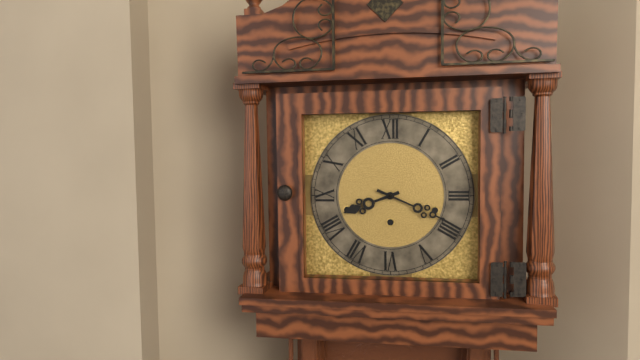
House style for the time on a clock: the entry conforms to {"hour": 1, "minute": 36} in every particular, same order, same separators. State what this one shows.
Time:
{"hour": 8, "minute": 19}
